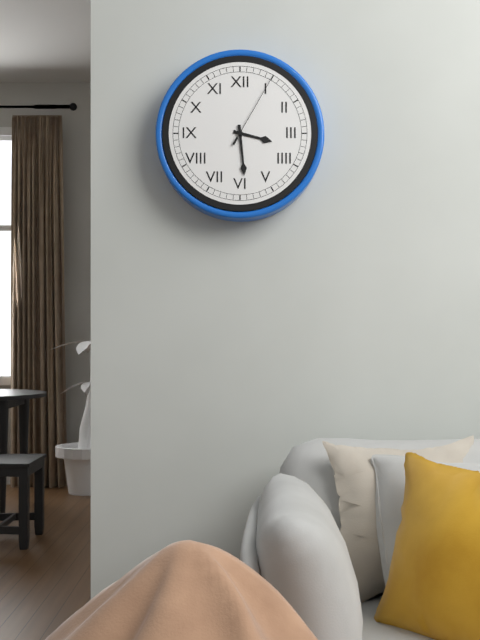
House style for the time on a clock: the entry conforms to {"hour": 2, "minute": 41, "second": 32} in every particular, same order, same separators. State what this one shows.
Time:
{"hour": 3, "minute": 29, "second": 5}
